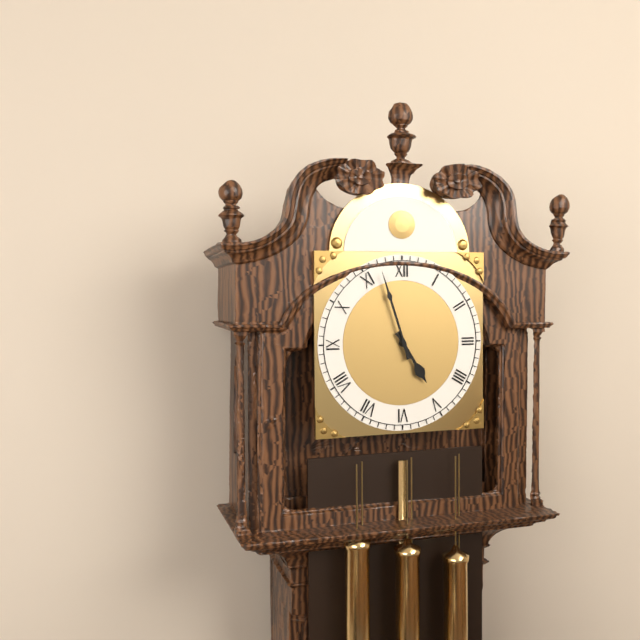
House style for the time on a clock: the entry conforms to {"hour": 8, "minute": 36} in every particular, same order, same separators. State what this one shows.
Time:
{"hour": 4, "minute": 57}
